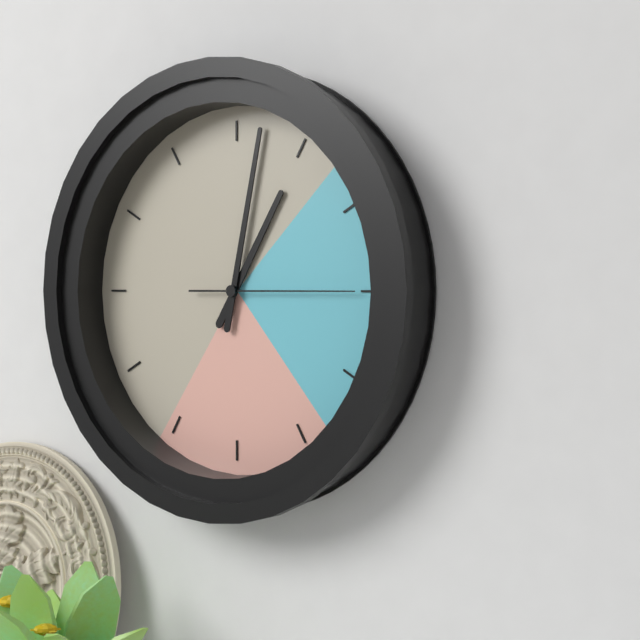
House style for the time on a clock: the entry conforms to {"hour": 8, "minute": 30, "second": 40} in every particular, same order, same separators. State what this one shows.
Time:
{"hour": 1, "minute": 2, "second": 15}
